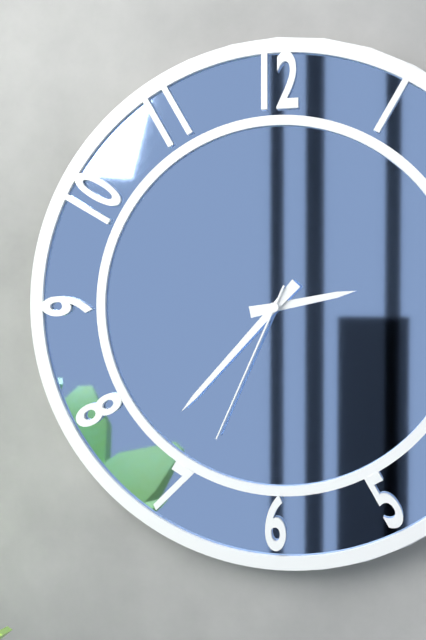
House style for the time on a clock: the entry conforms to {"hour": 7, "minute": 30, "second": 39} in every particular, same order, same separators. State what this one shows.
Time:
{"hour": 2, "minute": 37, "second": 34}
